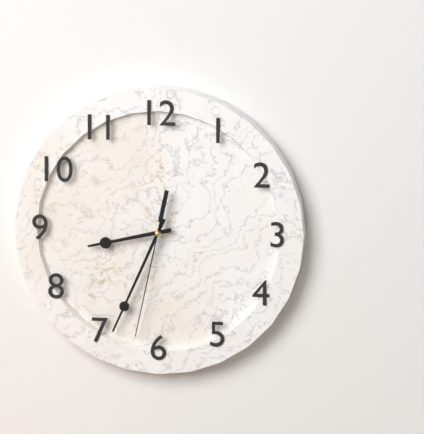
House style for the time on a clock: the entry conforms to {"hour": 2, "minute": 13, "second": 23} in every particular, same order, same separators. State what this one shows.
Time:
{"hour": 8, "minute": 34, "second": 32}
